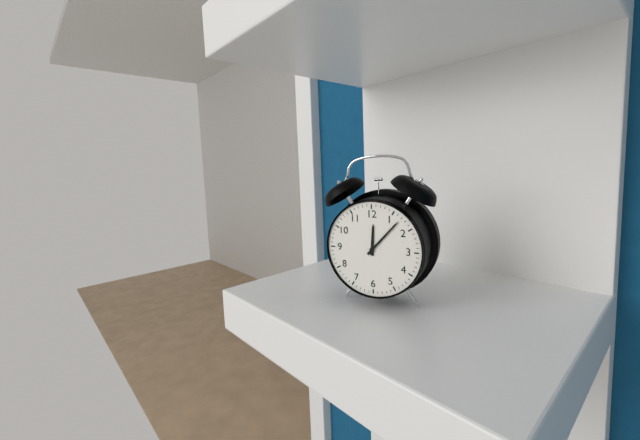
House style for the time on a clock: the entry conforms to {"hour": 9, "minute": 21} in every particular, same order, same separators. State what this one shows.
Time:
{"hour": 12, "minute": 7}
